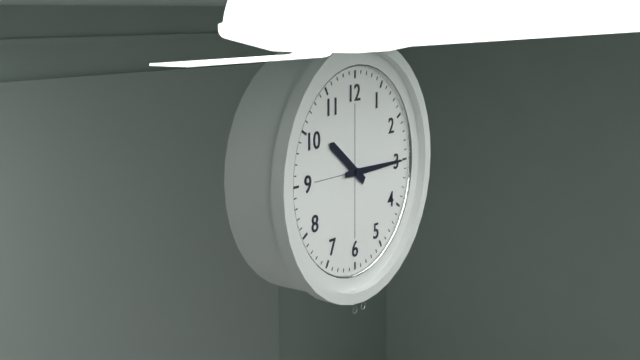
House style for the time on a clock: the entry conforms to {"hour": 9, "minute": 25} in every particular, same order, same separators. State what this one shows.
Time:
{"hour": 10, "minute": 15}
